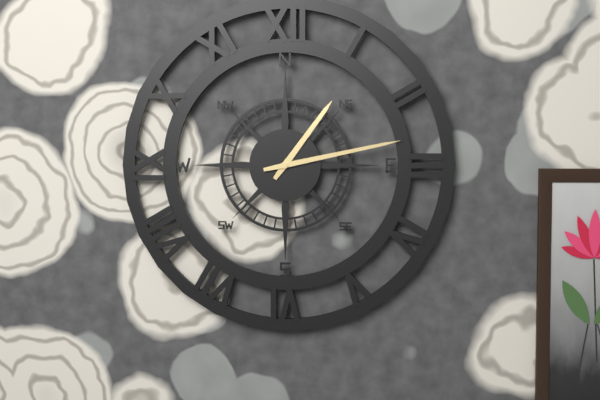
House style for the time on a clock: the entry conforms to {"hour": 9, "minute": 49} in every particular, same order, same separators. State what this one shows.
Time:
{"hour": 1, "minute": 13}
